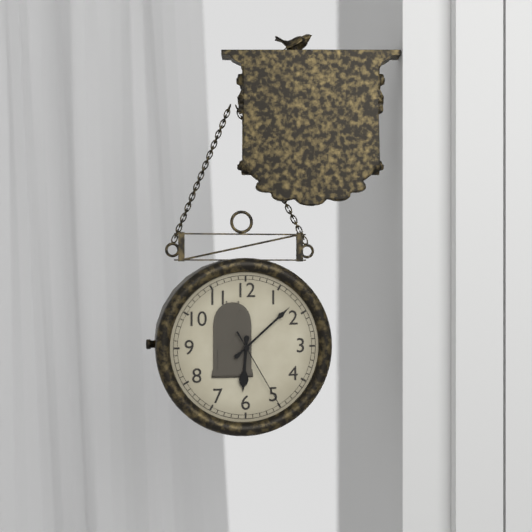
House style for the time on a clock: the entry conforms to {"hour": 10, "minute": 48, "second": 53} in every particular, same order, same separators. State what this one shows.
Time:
{"hour": 6, "minute": 8, "second": 25}
